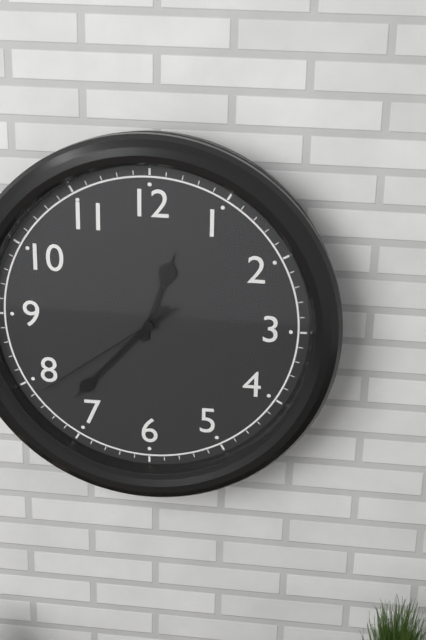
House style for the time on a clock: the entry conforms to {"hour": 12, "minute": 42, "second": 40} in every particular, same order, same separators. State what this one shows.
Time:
{"hour": 12, "minute": 37, "second": 39}
